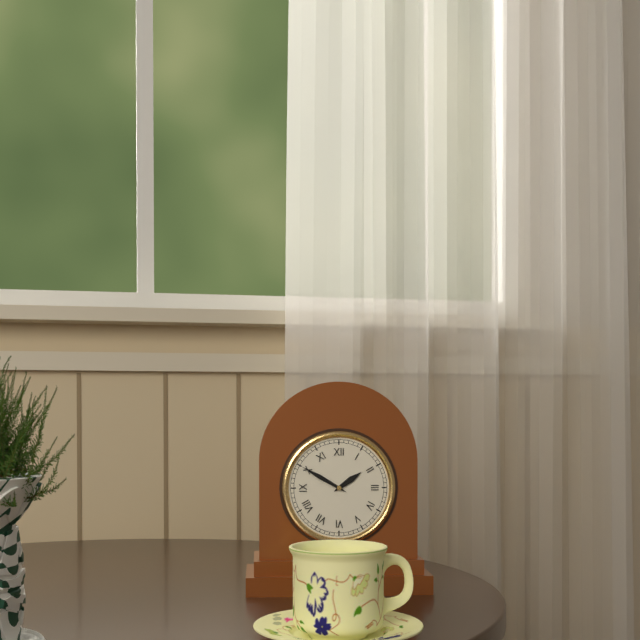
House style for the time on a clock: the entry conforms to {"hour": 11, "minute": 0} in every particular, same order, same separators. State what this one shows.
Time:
{"hour": 1, "minute": 50}
